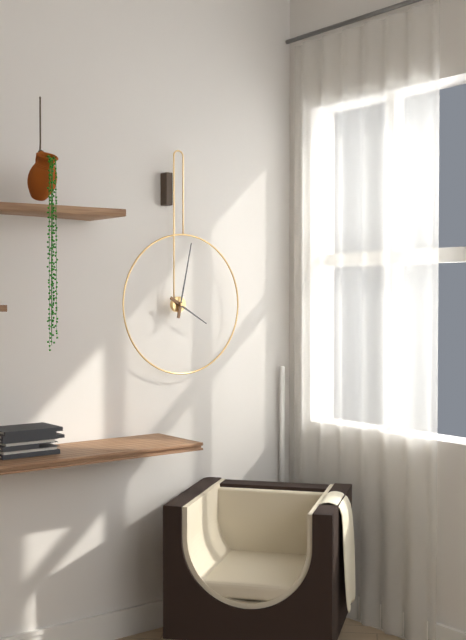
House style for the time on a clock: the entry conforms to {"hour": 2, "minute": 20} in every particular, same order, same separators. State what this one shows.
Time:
{"hour": 4, "minute": 2}
